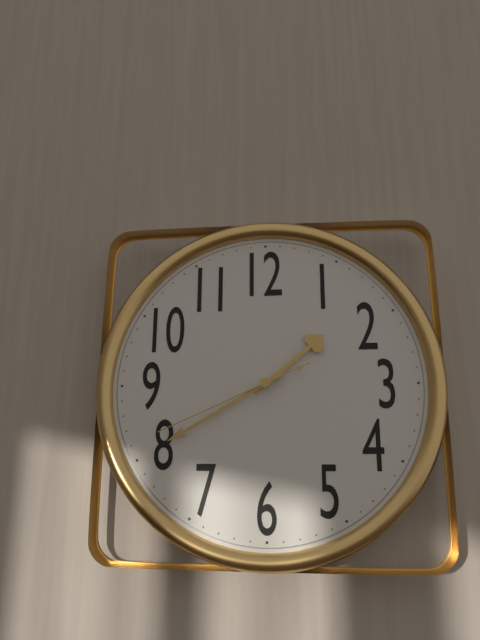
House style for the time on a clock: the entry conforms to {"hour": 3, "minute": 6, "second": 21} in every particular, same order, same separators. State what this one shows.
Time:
{"hour": 1, "minute": 40, "second": 41}
